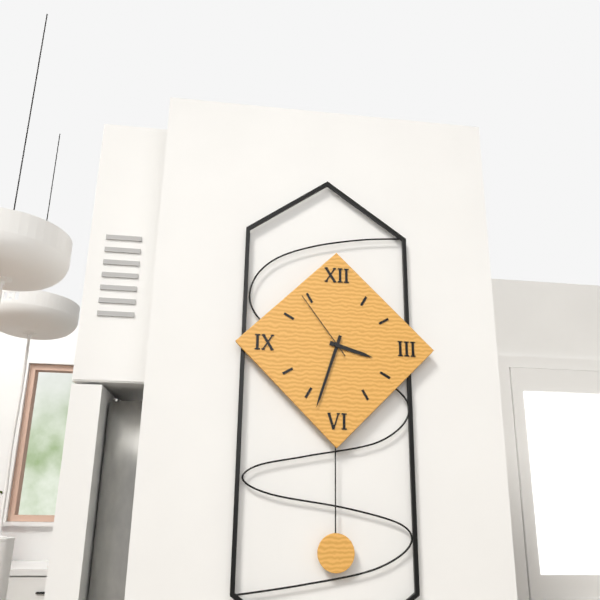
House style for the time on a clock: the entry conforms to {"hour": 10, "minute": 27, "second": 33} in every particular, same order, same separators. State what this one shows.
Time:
{"hour": 3, "minute": 33, "second": 54}
